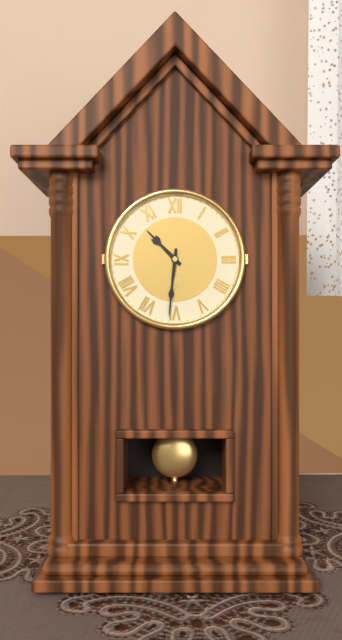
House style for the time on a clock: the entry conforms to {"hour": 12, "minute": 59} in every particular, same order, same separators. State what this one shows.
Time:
{"hour": 10, "minute": 31}
